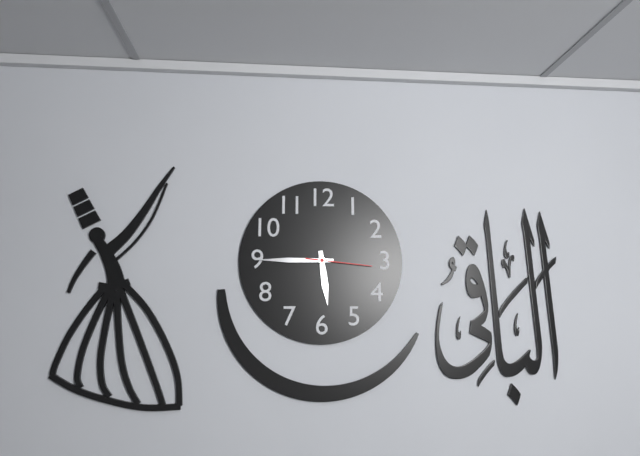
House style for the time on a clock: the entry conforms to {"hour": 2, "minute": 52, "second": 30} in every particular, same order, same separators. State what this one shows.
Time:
{"hour": 5, "minute": 45, "second": 16}
